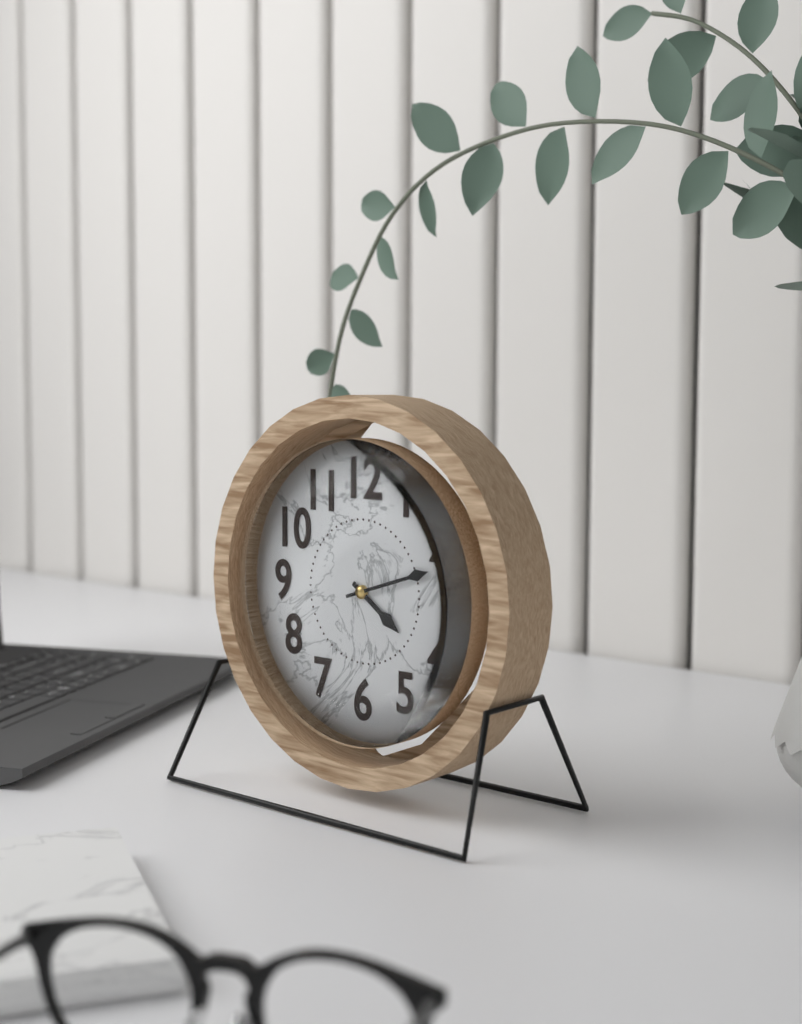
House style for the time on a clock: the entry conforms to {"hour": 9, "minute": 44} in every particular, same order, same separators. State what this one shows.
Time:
{"hour": 4, "minute": 12}
